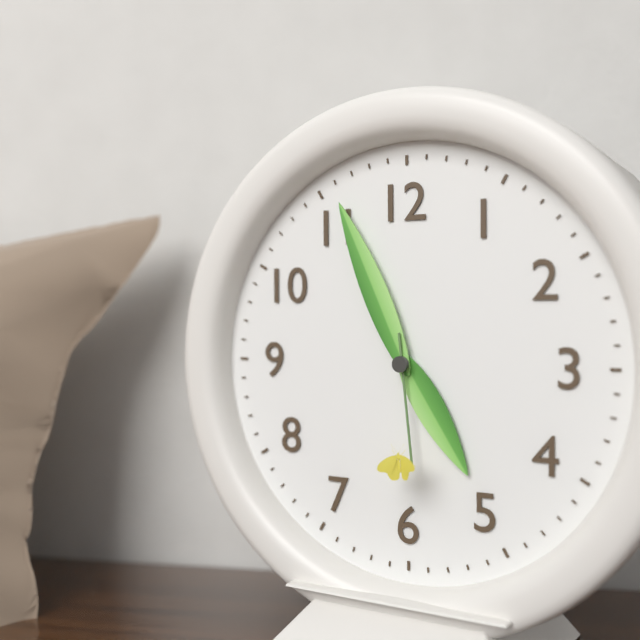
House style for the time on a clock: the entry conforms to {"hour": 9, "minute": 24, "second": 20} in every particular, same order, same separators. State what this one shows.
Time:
{"hour": 4, "minute": 56, "second": 29}
